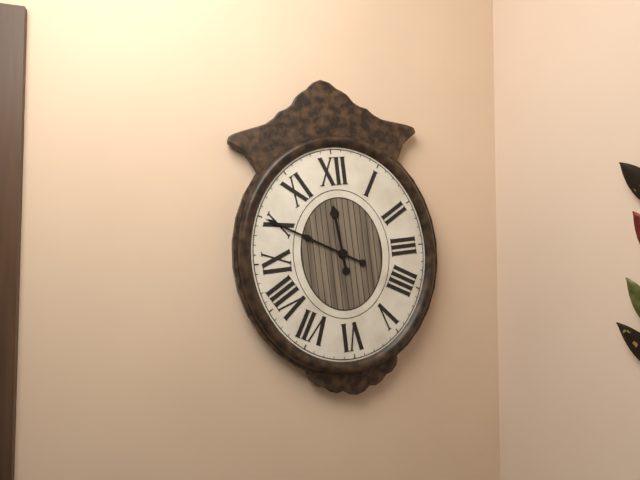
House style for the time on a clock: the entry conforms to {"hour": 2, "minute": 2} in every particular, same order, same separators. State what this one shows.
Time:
{"hour": 11, "minute": 50}
